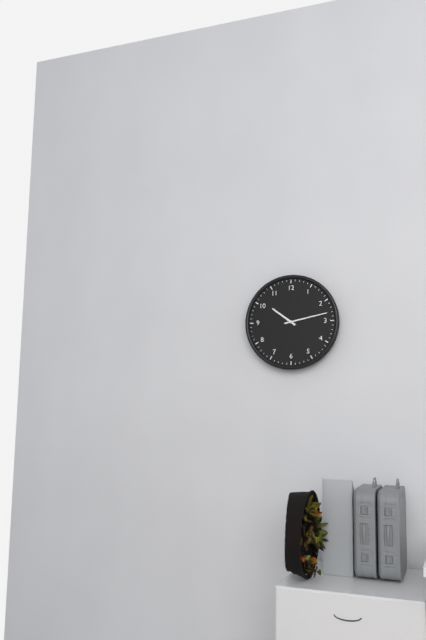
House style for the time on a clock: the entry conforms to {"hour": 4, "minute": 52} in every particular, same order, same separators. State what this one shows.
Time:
{"hour": 10, "minute": 13}
